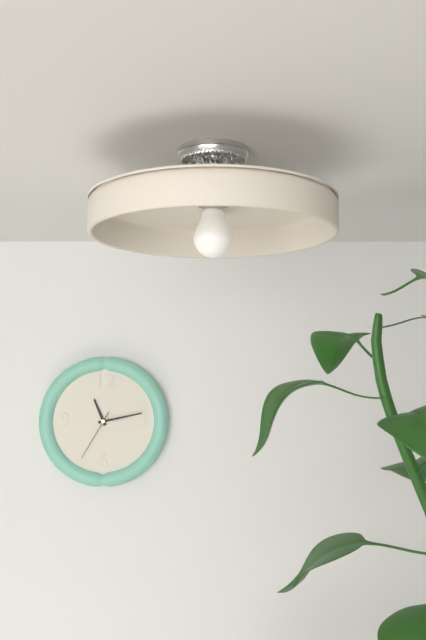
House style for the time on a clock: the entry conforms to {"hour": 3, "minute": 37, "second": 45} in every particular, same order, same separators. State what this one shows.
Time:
{"hour": 11, "minute": 13, "second": 35}
